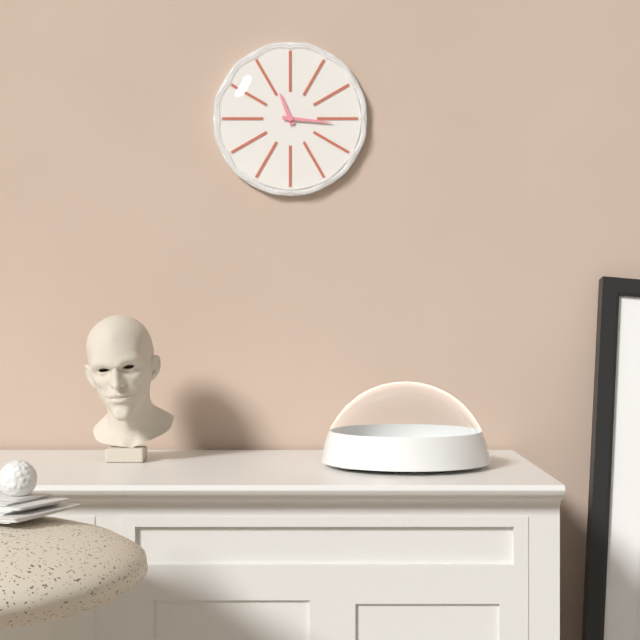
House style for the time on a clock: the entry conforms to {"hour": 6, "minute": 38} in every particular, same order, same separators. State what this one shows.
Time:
{"hour": 11, "minute": 16}
